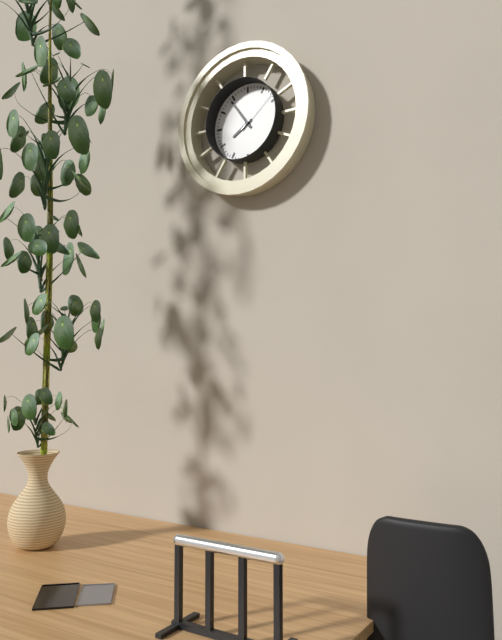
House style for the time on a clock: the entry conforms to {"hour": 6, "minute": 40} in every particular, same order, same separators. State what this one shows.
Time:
{"hour": 7, "minute": 54}
